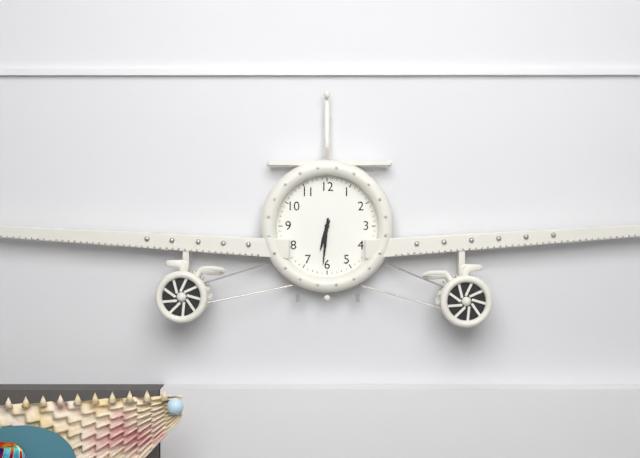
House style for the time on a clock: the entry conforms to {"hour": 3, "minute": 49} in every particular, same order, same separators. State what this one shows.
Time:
{"hour": 6, "minute": 31}
